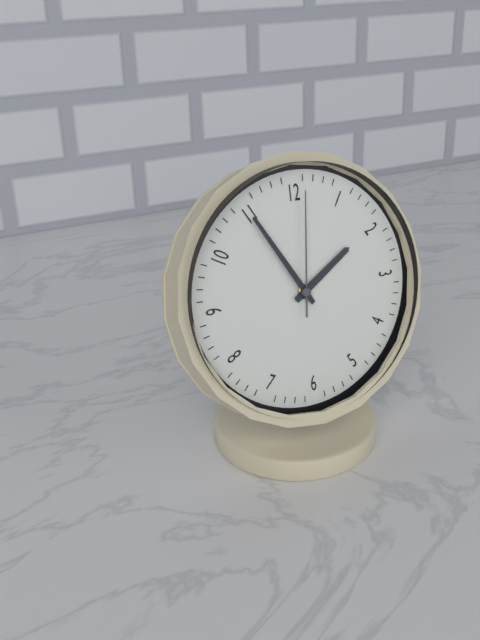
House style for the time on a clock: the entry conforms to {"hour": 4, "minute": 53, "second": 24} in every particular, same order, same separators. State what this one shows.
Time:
{"hour": 1, "minute": 55, "second": 1}
